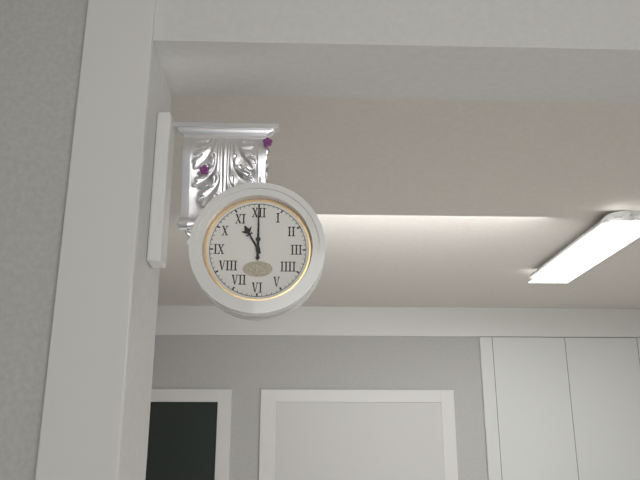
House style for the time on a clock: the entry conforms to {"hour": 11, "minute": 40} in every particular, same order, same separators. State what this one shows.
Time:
{"hour": 11, "minute": 0}
